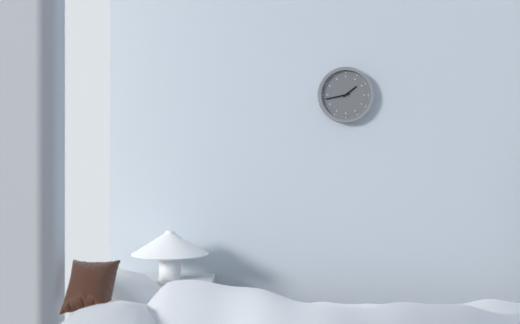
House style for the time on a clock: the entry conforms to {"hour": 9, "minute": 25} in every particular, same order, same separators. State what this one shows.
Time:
{"hour": 1, "minute": 43}
